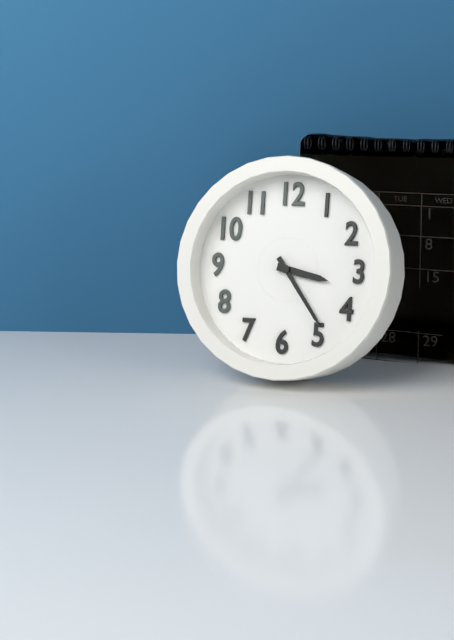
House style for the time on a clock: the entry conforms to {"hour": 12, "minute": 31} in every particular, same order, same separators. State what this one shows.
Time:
{"hour": 3, "minute": 24}
